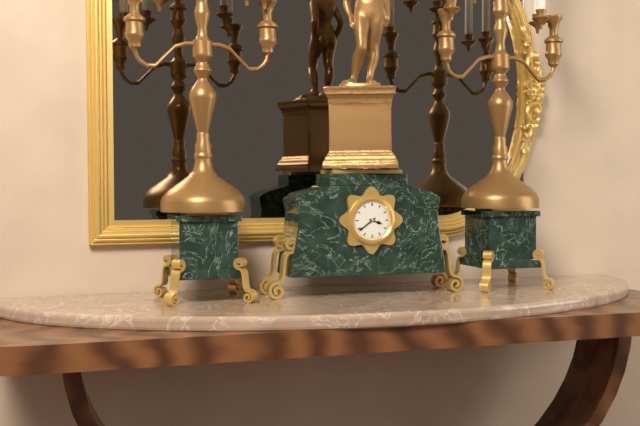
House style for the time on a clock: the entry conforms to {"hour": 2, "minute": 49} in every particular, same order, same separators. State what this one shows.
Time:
{"hour": 3, "minute": 39}
